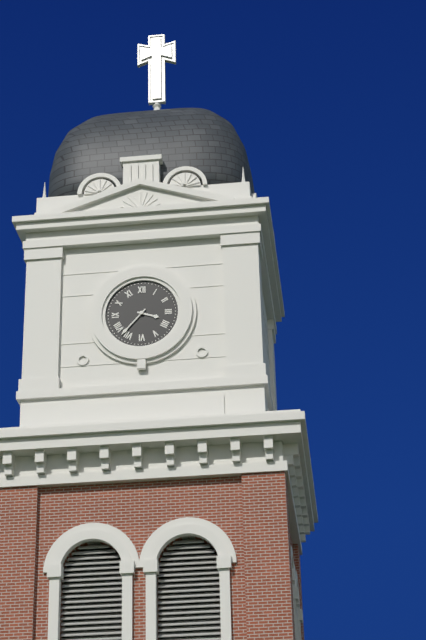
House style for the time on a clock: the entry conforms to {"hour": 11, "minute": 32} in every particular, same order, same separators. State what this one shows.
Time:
{"hour": 3, "minute": 37}
